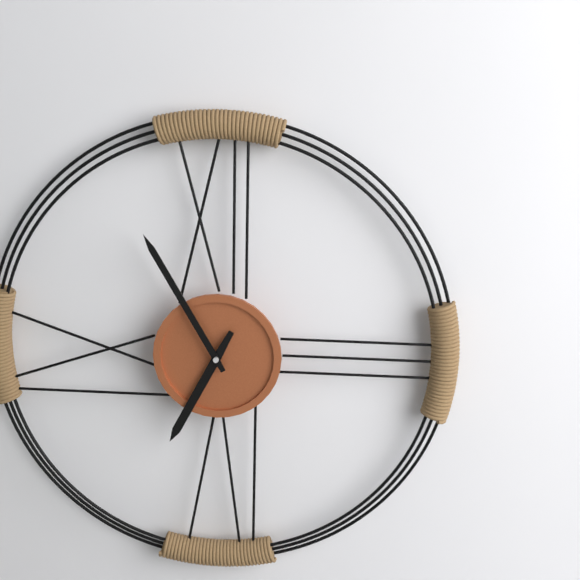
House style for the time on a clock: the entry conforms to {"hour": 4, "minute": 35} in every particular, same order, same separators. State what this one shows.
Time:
{"hour": 6, "minute": 55}
